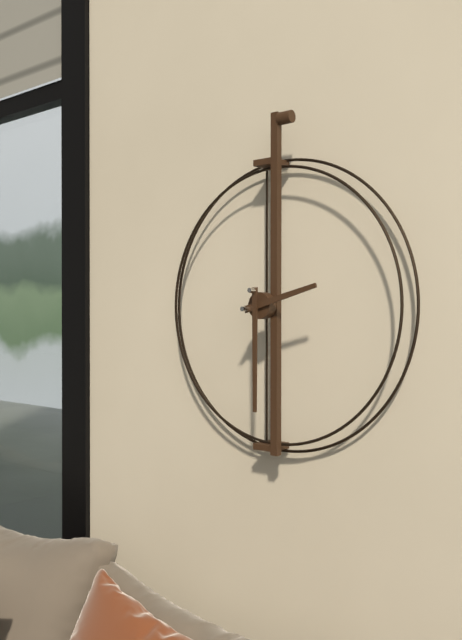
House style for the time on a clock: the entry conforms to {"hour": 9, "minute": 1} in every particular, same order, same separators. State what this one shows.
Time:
{"hour": 2, "minute": 30}
